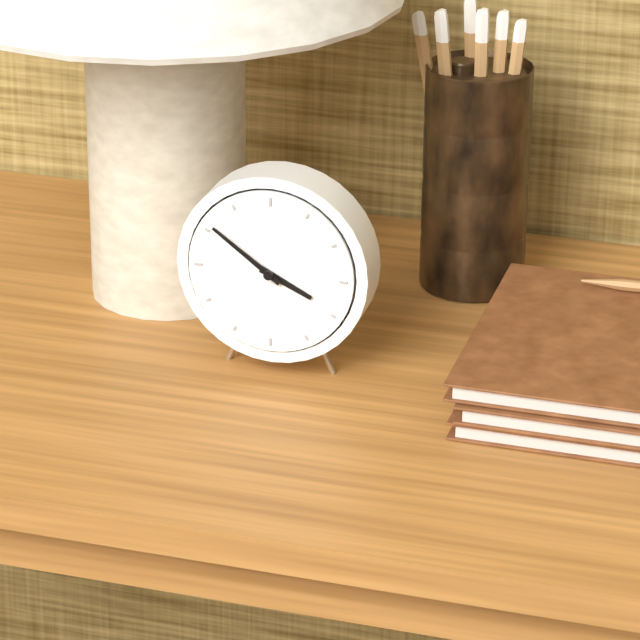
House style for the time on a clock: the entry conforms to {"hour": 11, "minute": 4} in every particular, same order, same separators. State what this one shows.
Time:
{"hour": 3, "minute": 51}
